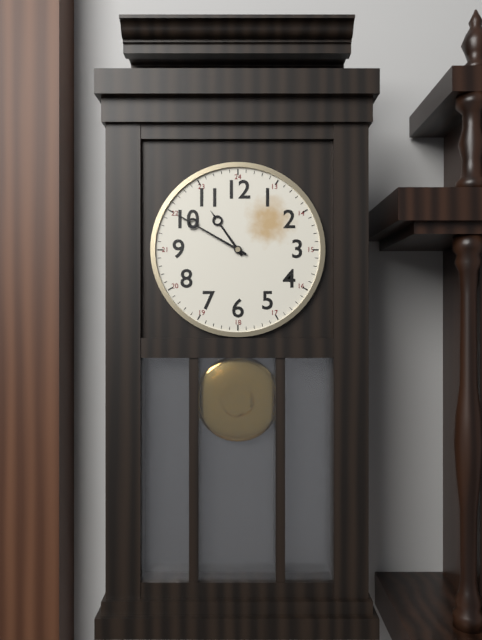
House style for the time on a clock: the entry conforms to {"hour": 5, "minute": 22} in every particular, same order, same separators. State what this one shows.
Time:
{"hour": 10, "minute": 50}
